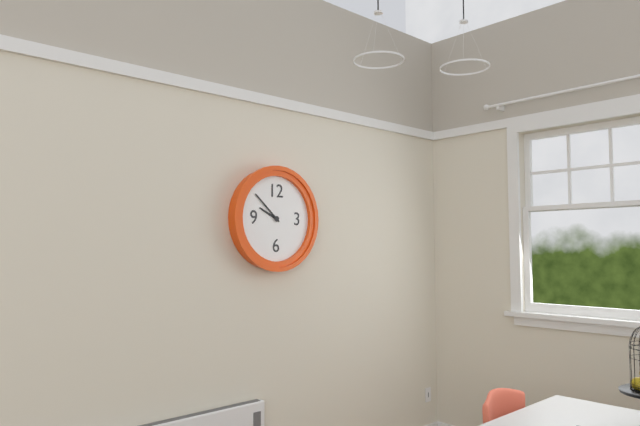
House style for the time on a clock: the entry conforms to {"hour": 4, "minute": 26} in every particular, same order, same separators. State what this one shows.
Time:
{"hour": 9, "minute": 52}
